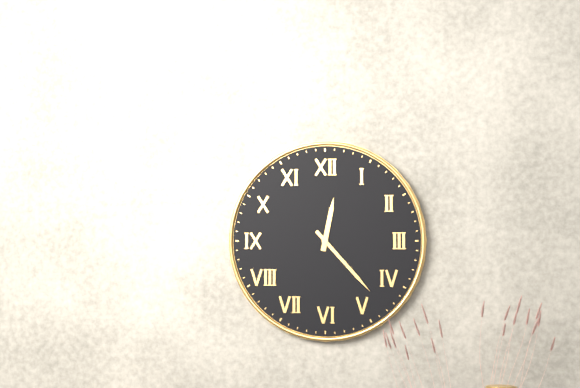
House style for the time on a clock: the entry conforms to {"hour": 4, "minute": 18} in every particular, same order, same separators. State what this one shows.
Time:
{"hour": 12, "minute": 23}
